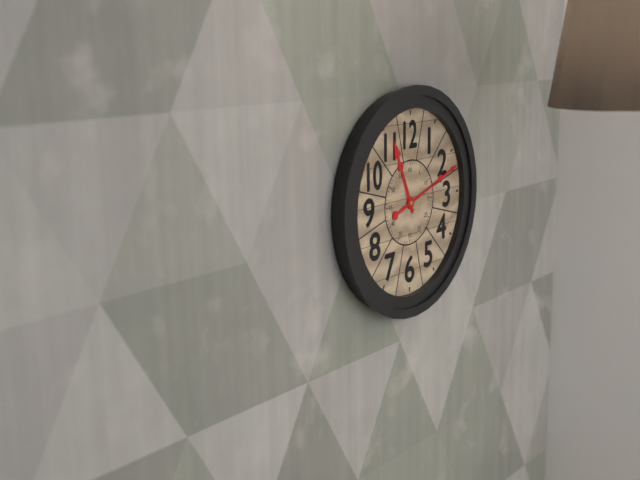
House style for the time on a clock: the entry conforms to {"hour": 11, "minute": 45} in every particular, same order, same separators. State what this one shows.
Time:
{"hour": 11, "minute": 12}
